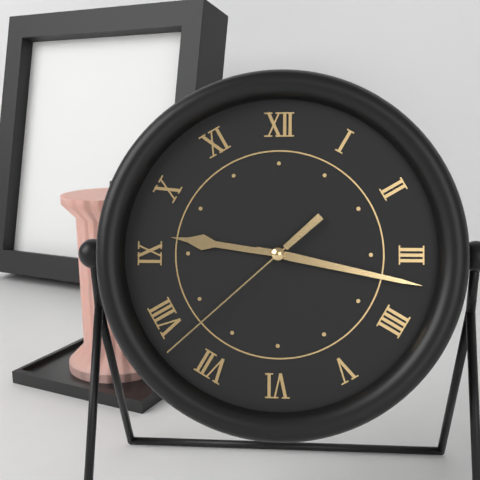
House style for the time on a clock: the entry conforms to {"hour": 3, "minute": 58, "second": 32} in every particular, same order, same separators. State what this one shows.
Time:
{"hour": 9, "minute": 17, "second": 38}
